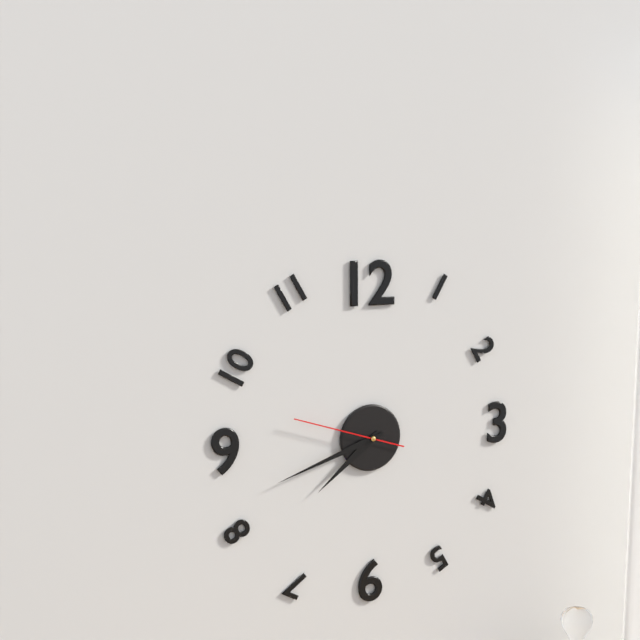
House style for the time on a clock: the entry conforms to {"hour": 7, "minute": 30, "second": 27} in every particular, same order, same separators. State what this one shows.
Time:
{"hour": 7, "minute": 42, "second": 48}
